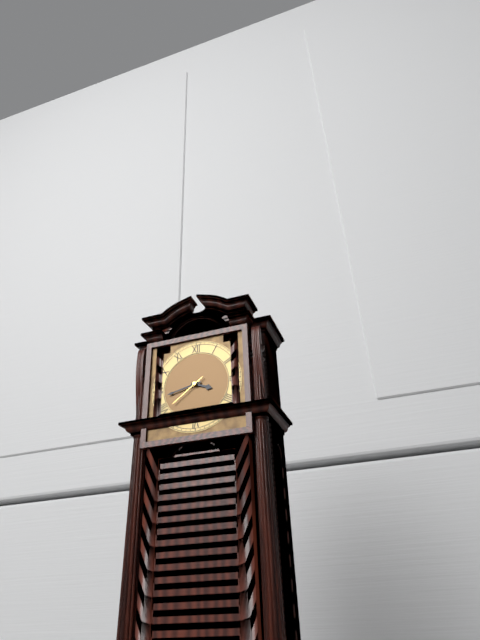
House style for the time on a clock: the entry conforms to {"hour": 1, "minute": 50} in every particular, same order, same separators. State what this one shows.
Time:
{"hour": 3, "minute": 43}
